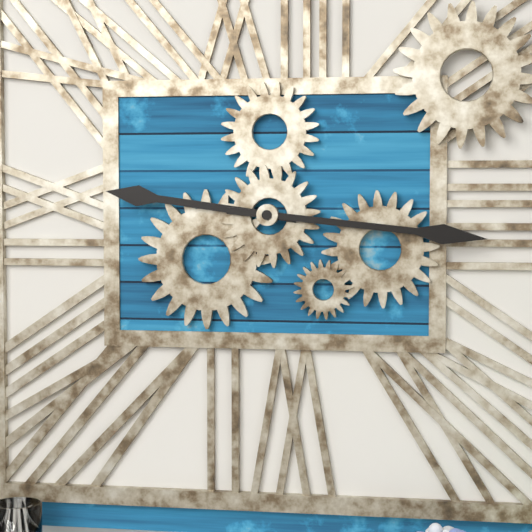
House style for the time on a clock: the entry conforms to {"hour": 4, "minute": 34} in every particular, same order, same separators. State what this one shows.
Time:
{"hour": 9, "minute": 16}
